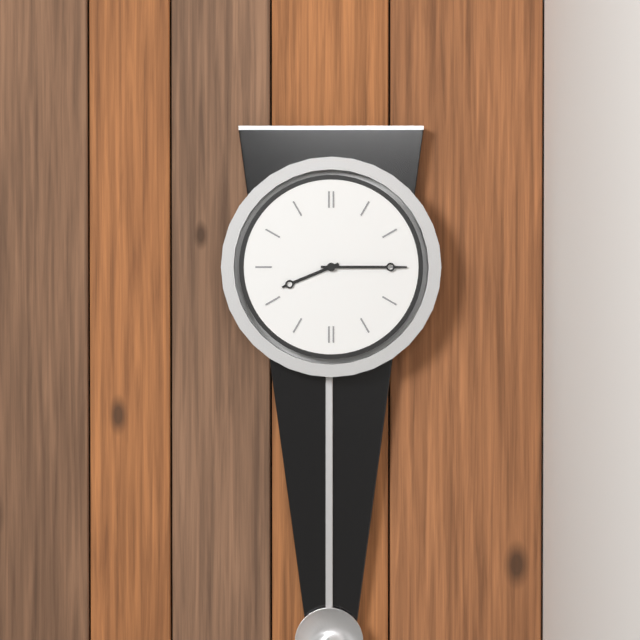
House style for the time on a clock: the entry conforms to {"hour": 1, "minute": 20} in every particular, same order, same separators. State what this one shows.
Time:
{"hour": 8, "minute": 15}
